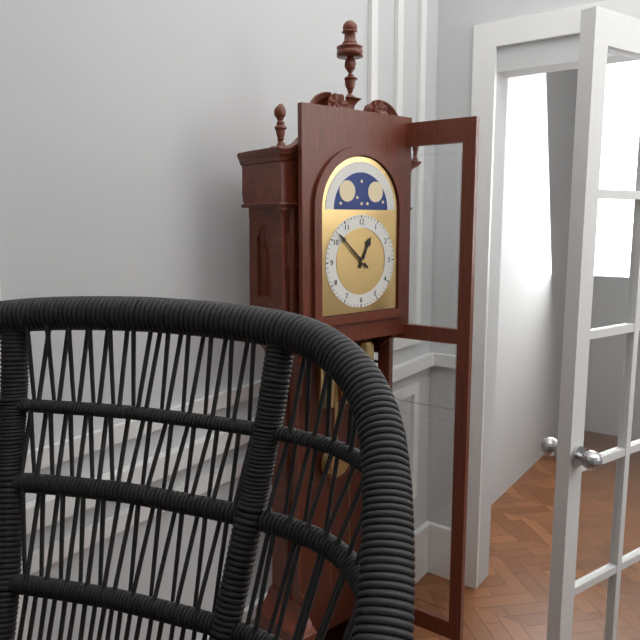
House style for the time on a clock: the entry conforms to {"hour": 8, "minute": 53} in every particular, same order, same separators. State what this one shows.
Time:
{"hour": 12, "minute": 52}
